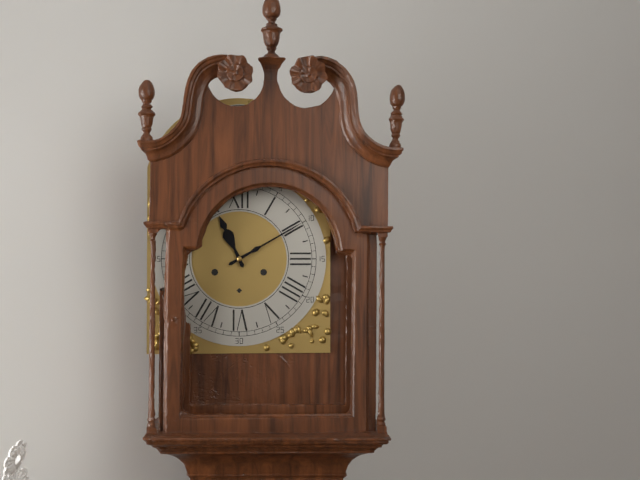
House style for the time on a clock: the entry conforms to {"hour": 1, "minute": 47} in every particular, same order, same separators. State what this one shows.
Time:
{"hour": 11, "minute": 10}
